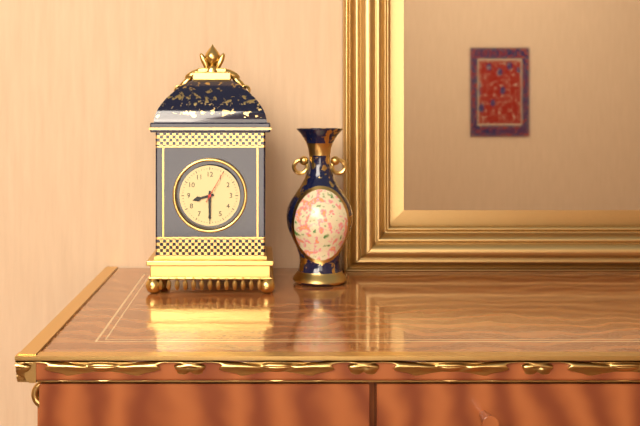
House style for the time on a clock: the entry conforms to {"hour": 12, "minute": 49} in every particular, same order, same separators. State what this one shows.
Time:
{"hour": 8, "minute": 30}
